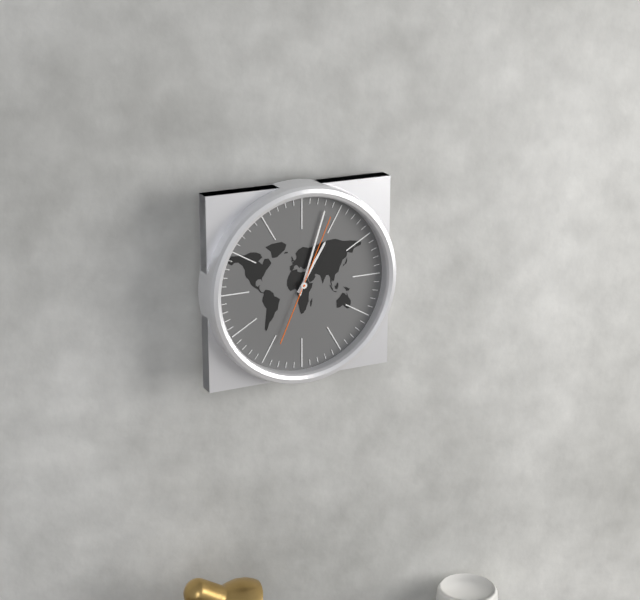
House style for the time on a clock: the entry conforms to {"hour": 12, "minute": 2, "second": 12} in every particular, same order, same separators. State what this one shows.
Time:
{"hour": 1, "minute": 3, "second": 4}
